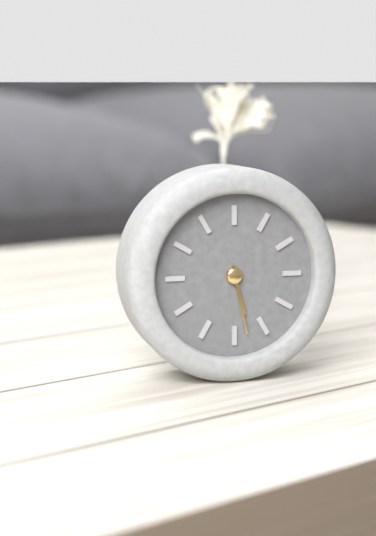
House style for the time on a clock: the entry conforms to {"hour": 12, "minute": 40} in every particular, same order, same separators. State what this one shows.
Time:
{"hour": 5, "minute": 28}
